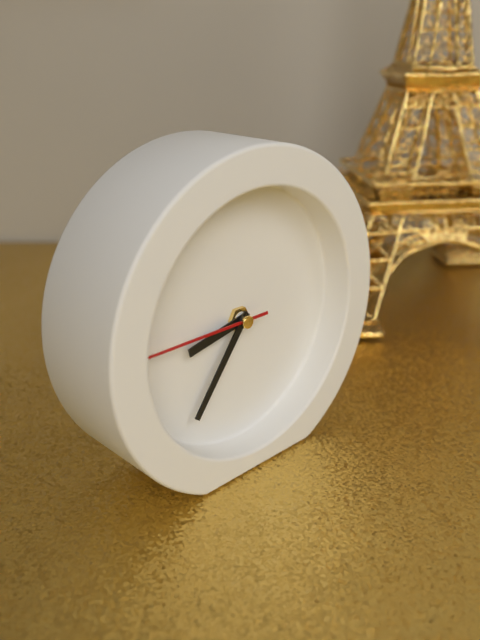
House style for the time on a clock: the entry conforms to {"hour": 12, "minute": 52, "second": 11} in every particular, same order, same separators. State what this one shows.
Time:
{"hour": 8, "minute": 36, "second": 45}
